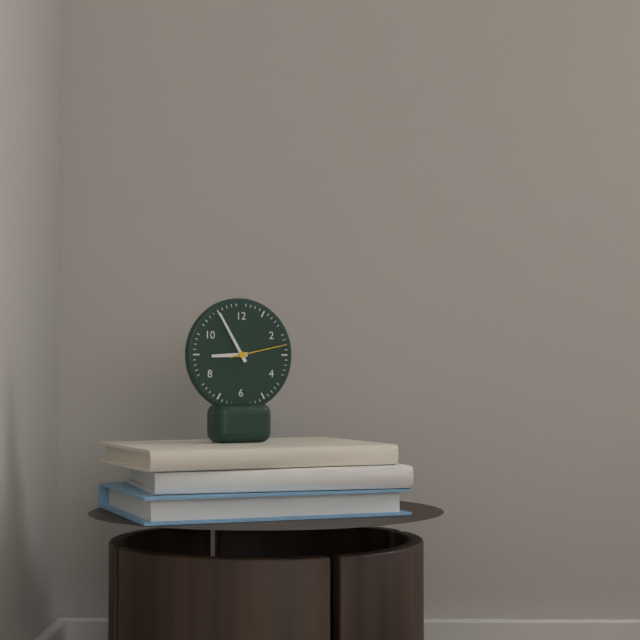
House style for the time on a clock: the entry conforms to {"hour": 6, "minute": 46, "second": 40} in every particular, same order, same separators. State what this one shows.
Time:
{"hour": 8, "minute": 55, "second": 13}
